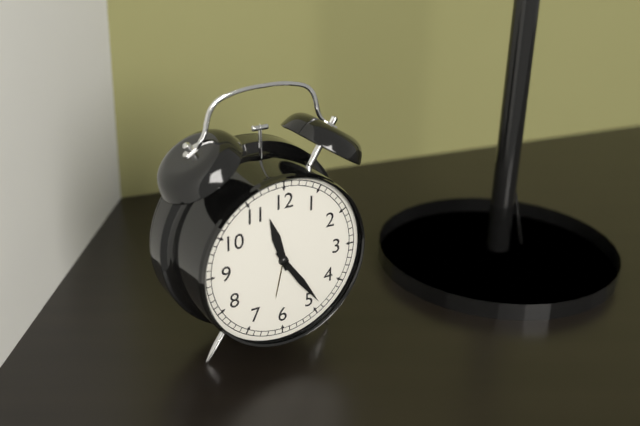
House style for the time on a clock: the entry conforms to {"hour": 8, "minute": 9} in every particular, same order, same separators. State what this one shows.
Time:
{"hour": 11, "minute": 24}
